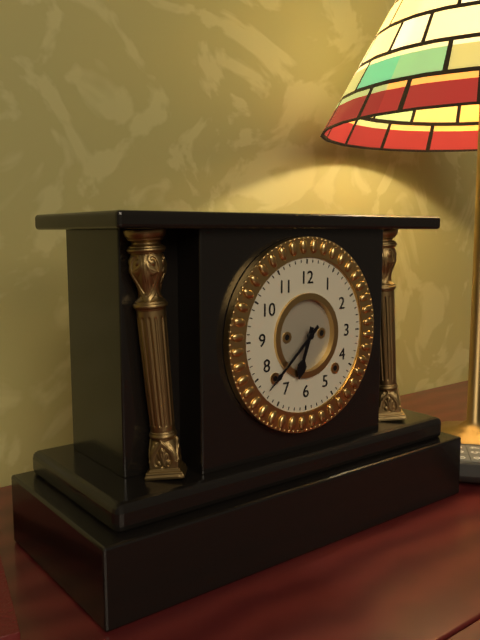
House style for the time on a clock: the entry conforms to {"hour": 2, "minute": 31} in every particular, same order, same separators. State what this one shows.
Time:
{"hour": 6, "minute": 38}
